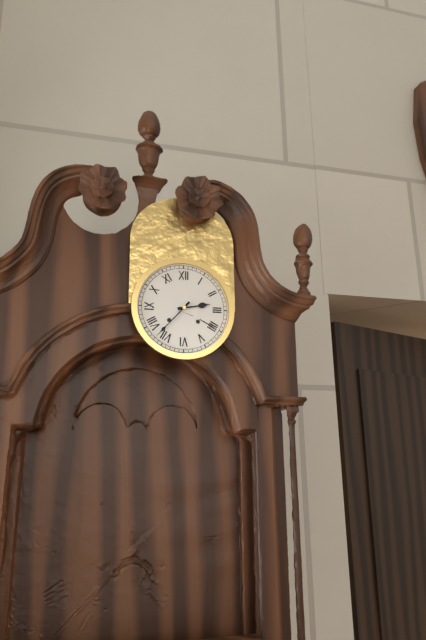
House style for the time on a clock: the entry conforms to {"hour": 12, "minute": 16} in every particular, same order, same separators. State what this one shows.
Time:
{"hour": 2, "minute": 37}
